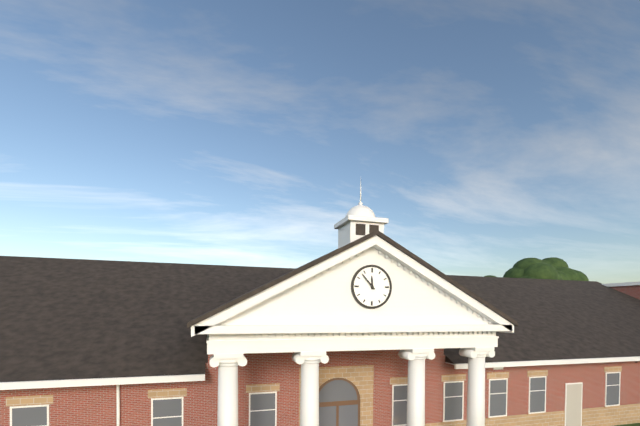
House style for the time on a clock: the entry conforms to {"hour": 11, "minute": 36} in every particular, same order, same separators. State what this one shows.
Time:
{"hour": 11, "minute": 53}
